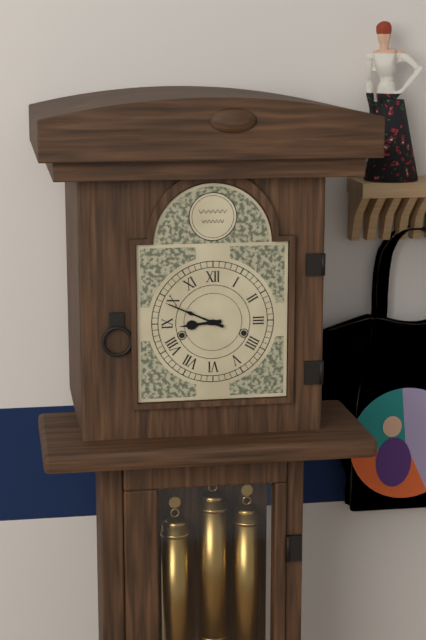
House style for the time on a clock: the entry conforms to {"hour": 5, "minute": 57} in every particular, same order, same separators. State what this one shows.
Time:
{"hour": 8, "minute": 49}
